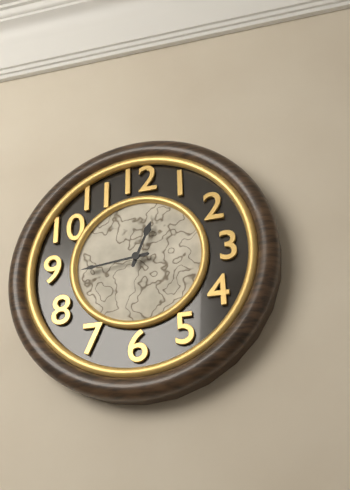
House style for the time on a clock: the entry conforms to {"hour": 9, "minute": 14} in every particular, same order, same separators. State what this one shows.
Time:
{"hour": 12, "minute": 44}
